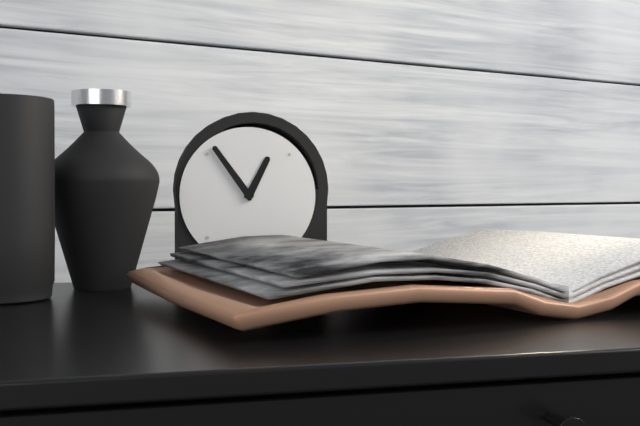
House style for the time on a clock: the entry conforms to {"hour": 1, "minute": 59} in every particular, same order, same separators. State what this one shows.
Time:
{"hour": 12, "minute": 54}
